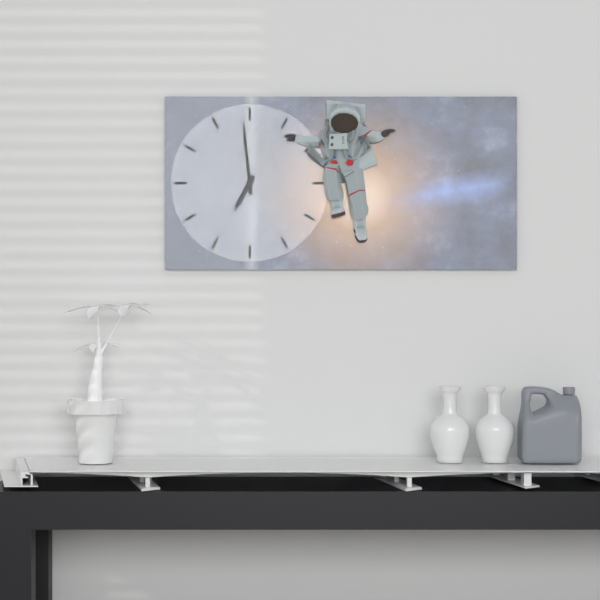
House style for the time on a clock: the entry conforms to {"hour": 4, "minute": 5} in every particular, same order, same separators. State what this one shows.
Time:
{"hour": 6, "minute": 59}
